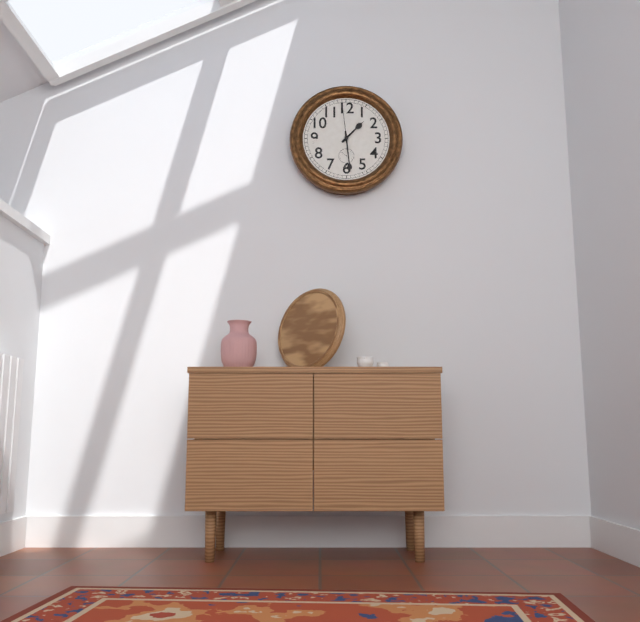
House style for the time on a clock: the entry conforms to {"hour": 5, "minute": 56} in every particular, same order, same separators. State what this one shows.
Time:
{"hour": 1, "minute": 29}
